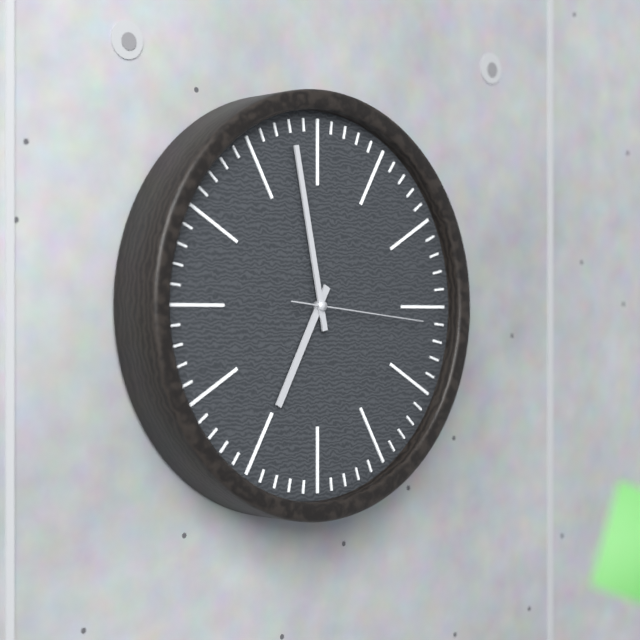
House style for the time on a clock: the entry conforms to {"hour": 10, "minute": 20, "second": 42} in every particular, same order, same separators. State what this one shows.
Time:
{"hour": 6, "minute": 58, "second": 16}
